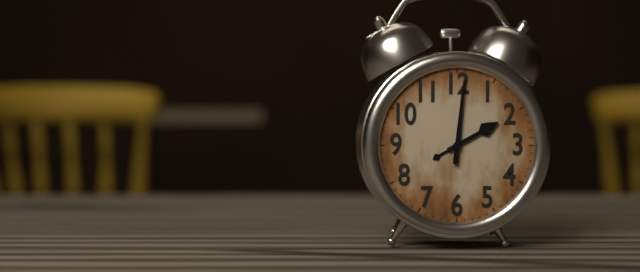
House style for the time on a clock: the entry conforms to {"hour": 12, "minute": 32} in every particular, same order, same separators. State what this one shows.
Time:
{"hour": 2, "minute": 1}
